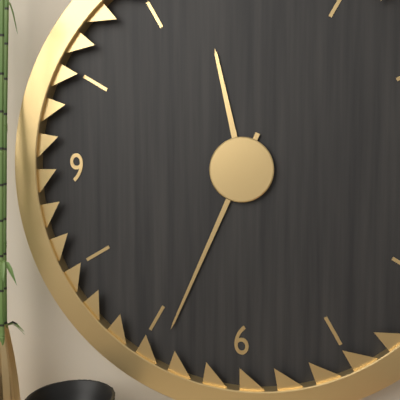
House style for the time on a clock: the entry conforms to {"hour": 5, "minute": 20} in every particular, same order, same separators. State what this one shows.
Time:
{"hour": 11, "minute": 34}
